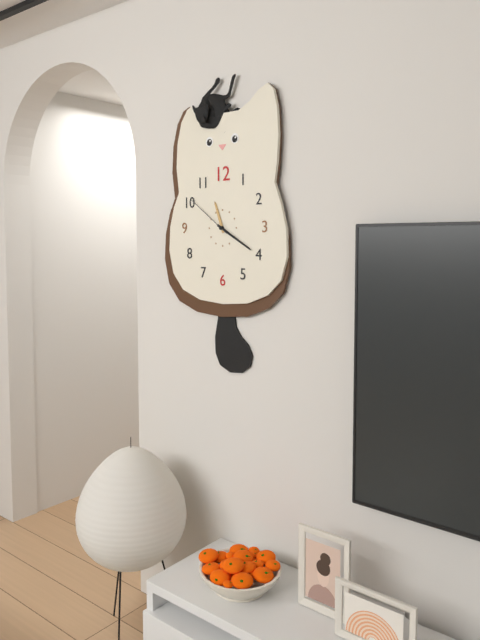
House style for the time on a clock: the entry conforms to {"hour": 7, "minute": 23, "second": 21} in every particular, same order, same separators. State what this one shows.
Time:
{"hour": 11, "minute": 20, "second": 51}
